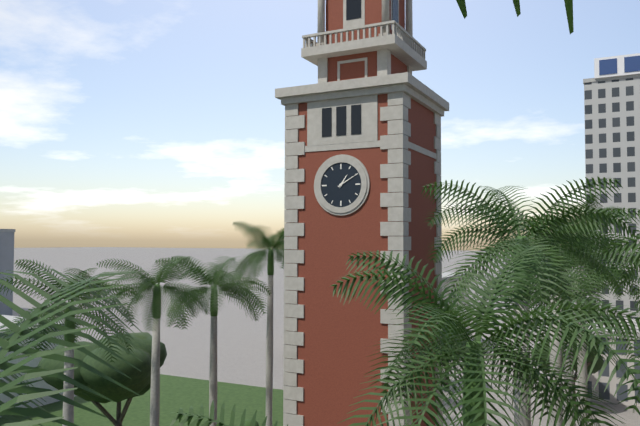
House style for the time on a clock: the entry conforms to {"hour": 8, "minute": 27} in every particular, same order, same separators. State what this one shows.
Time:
{"hour": 1, "minute": 10}
